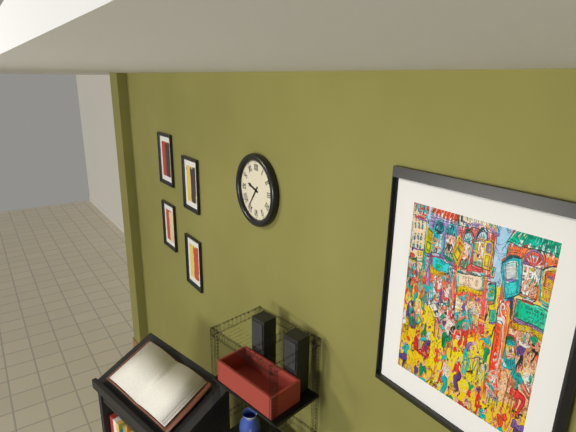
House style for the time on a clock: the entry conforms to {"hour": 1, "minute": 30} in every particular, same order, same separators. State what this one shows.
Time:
{"hour": 9, "minute": 36}
